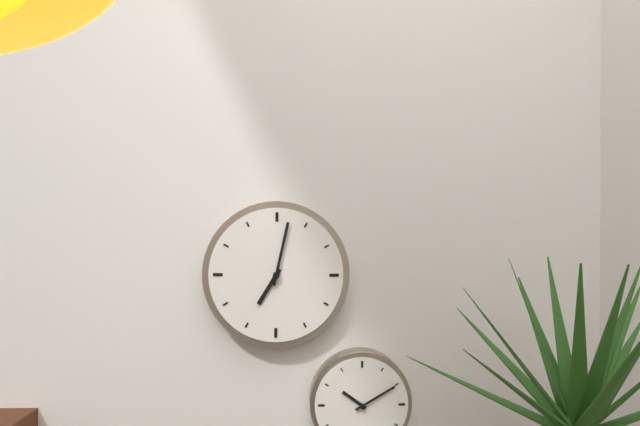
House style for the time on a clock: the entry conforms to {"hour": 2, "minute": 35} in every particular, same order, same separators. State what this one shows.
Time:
{"hour": 7, "minute": 2}
